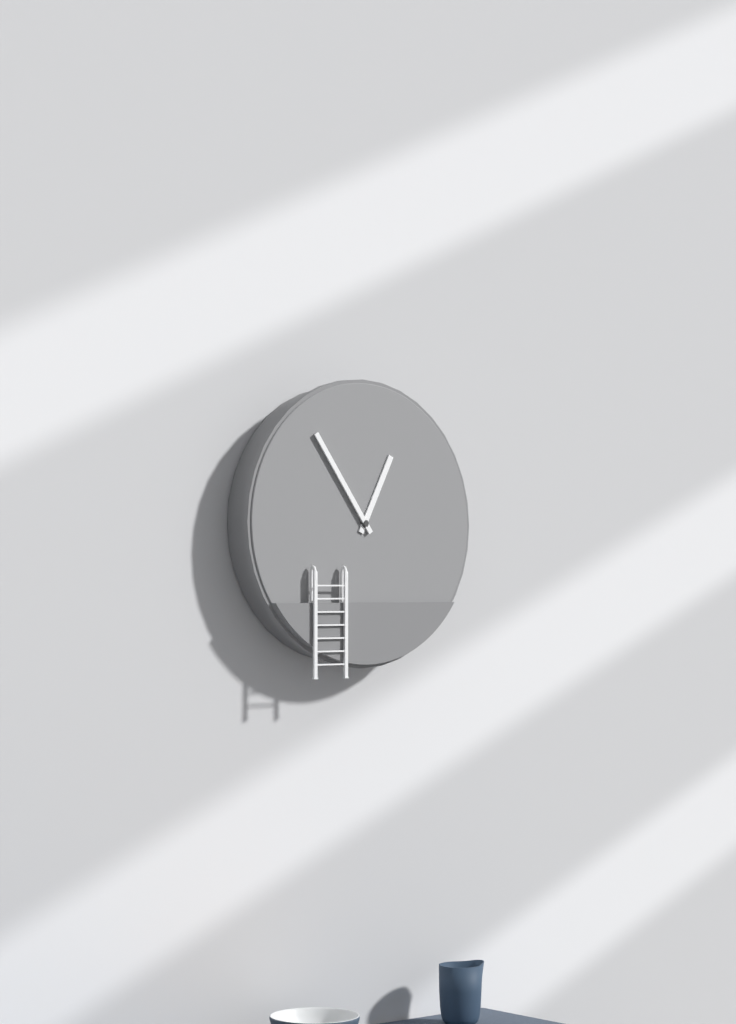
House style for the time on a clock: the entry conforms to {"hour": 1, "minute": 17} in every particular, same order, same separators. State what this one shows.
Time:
{"hour": 12, "minute": 54}
